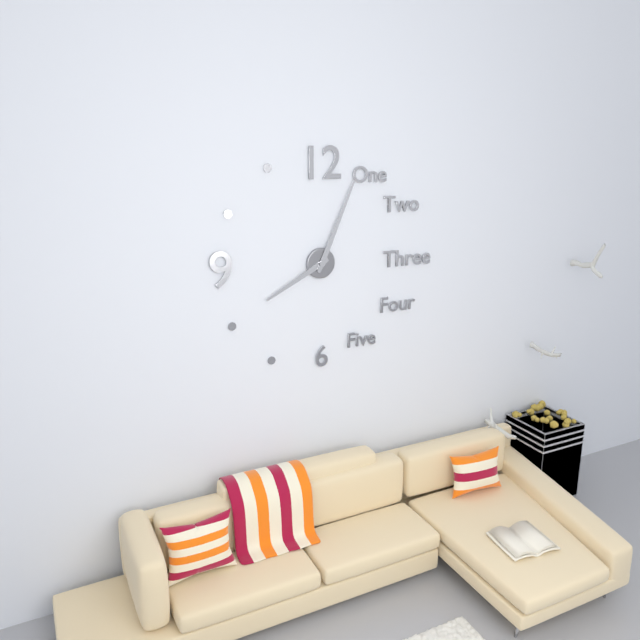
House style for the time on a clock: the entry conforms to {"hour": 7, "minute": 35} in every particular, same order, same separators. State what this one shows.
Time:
{"hour": 8, "minute": 4}
